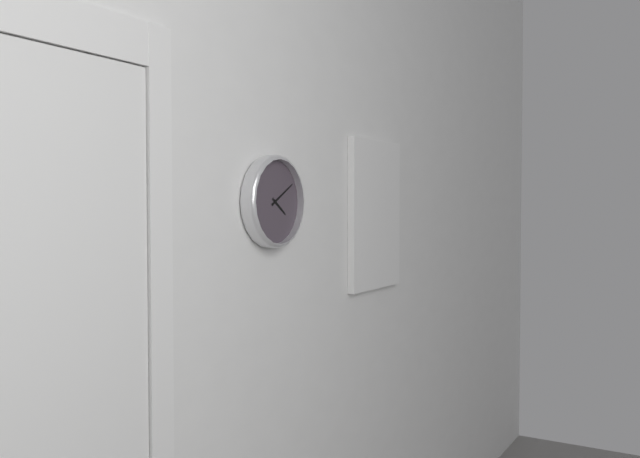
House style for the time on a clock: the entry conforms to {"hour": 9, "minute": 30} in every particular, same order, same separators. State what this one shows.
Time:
{"hour": 4, "minute": 10}
